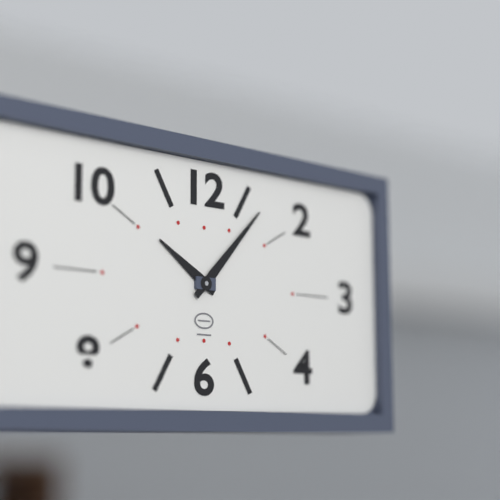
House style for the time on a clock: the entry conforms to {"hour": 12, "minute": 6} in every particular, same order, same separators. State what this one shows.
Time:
{"hour": 10, "minute": 7}
